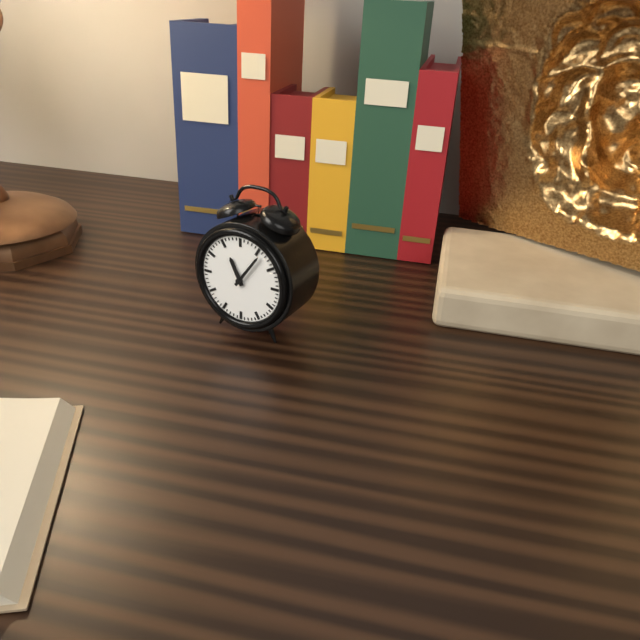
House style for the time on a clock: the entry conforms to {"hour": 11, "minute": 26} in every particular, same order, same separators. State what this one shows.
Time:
{"hour": 11, "minute": 6}
